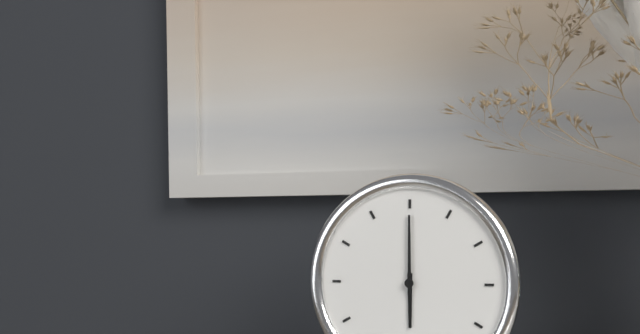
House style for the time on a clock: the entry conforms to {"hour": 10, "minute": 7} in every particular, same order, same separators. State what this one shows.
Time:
{"hour": 6, "minute": 0}
